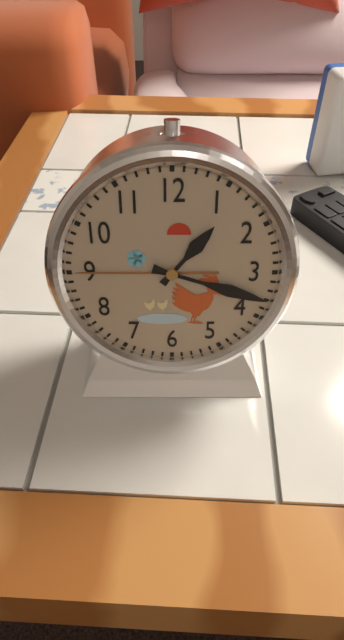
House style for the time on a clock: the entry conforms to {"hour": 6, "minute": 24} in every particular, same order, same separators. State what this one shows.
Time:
{"hour": 1, "minute": 18}
